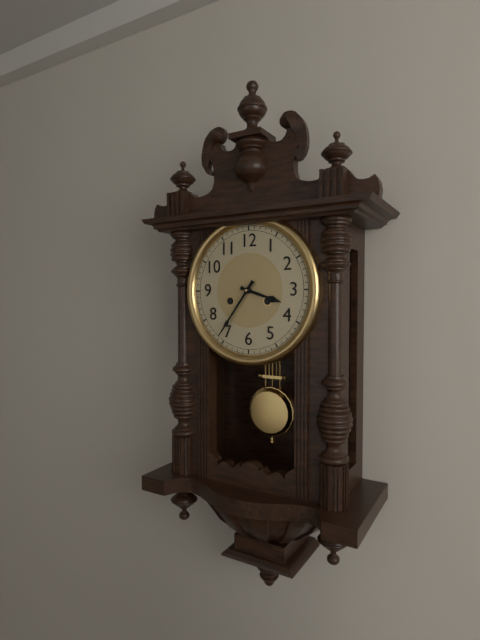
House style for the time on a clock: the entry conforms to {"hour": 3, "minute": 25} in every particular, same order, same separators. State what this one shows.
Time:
{"hour": 3, "minute": 36}
